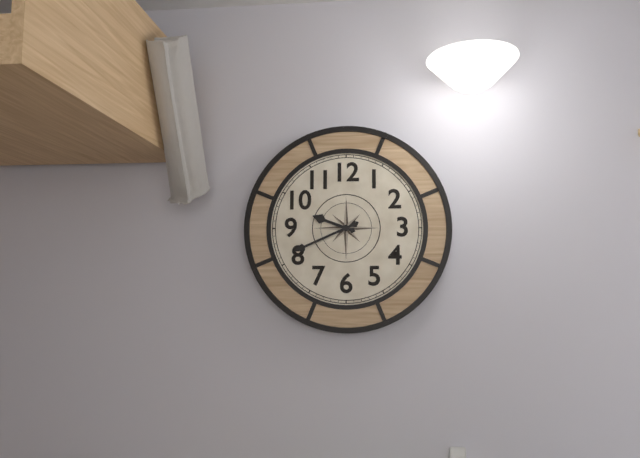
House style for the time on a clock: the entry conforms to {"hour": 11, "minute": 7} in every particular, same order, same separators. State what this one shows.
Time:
{"hour": 9, "minute": 41}
